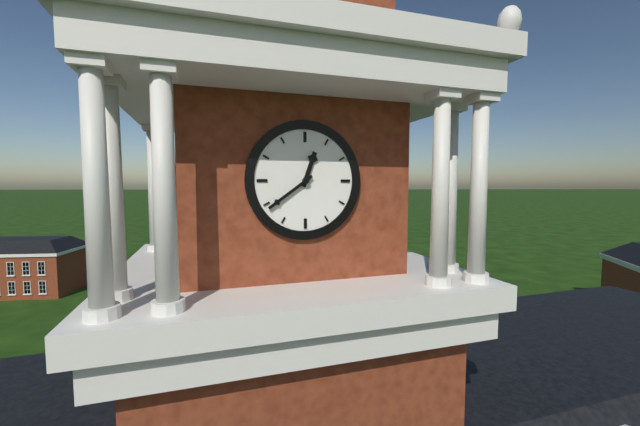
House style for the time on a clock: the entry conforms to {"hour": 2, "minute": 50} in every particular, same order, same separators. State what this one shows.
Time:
{"hour": 12, "minute": 39}
